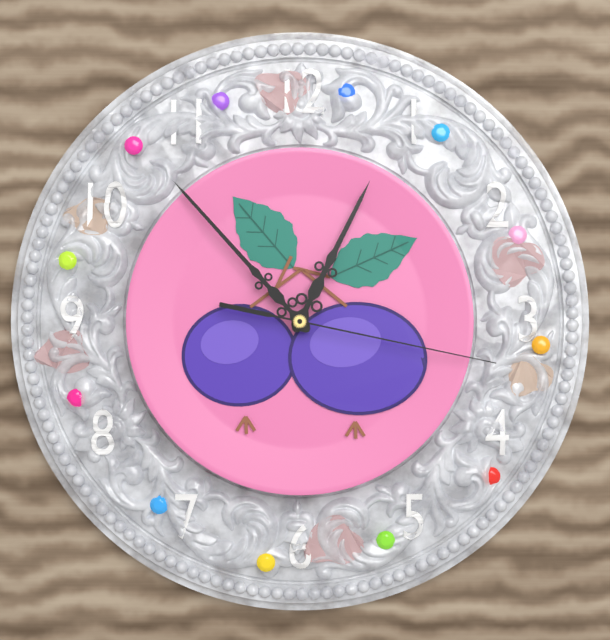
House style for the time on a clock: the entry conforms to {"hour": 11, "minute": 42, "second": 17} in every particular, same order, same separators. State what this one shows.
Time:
{"hour": 12, "minute": 53, "second": 17}
